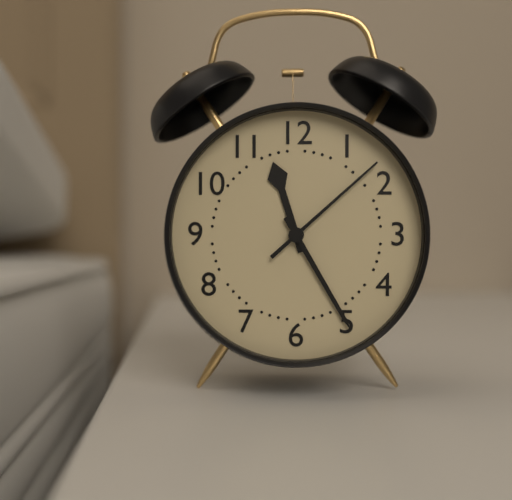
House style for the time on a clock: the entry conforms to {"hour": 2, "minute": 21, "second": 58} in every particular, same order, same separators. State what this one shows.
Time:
{"hour": 11, "minute": 25, "second": 8}
